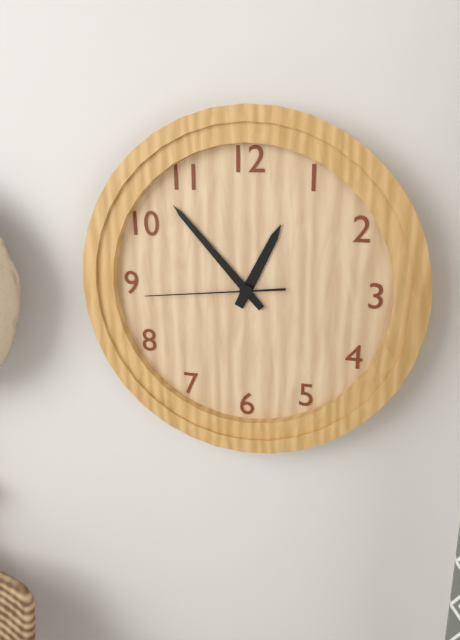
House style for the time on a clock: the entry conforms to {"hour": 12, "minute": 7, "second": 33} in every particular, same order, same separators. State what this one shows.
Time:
{"hour": 12, "minute": 53, "second": 44}
